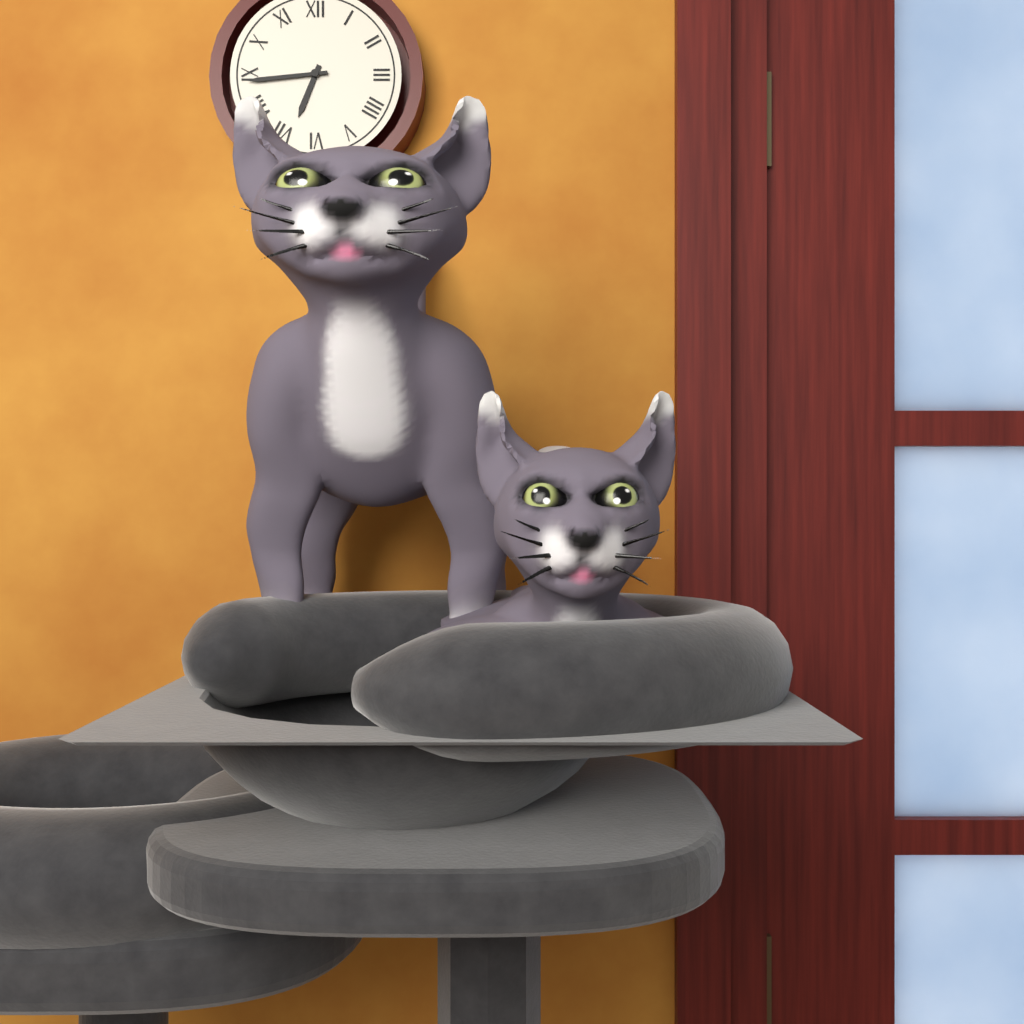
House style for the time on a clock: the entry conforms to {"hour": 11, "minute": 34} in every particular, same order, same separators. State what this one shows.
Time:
{"hour": 6, "minute": 44}
